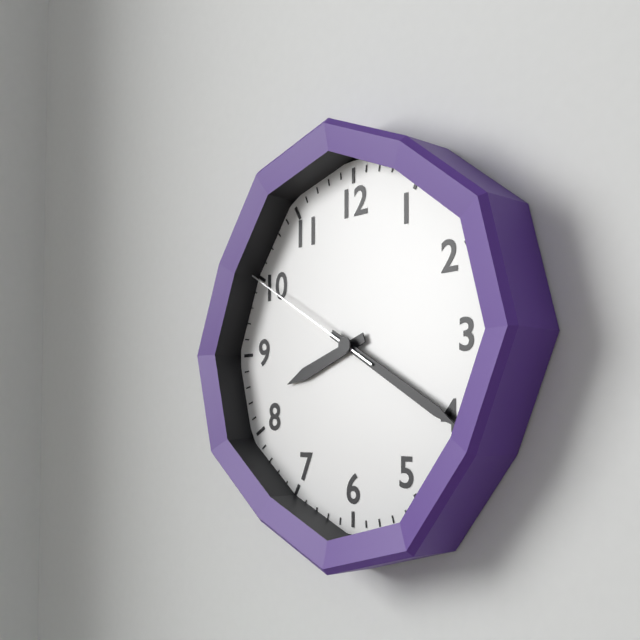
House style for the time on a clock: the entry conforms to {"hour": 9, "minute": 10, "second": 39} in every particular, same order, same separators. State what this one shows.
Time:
{"hour": 8, "minute": 20, "second": 50}
